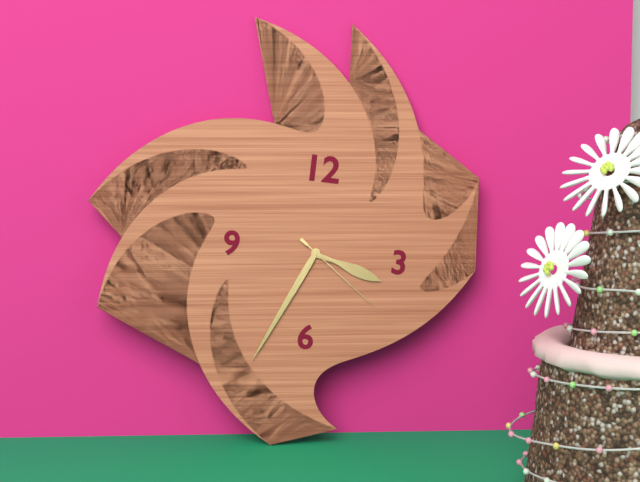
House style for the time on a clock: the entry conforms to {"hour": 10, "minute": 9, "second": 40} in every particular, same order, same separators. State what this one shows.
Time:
{"hour": 3, "minute": 34, "second": 21}
